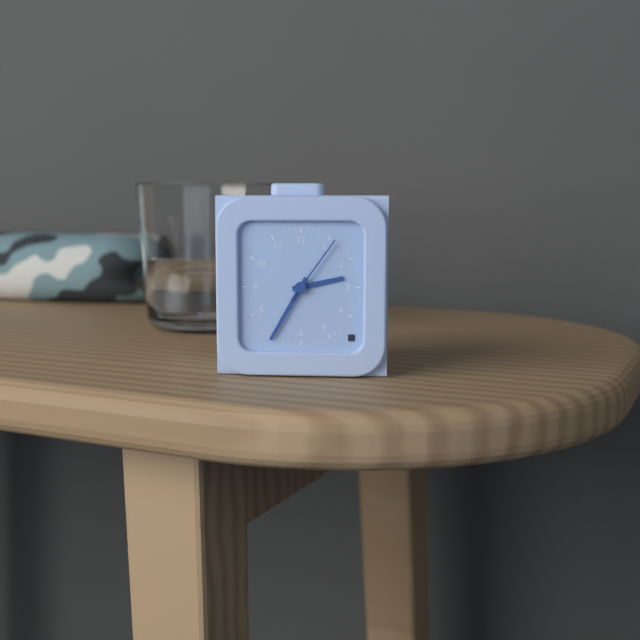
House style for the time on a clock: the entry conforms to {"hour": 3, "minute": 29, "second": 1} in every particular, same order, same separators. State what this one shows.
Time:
{"hour": 2, "minute": 35, "second": 6}
